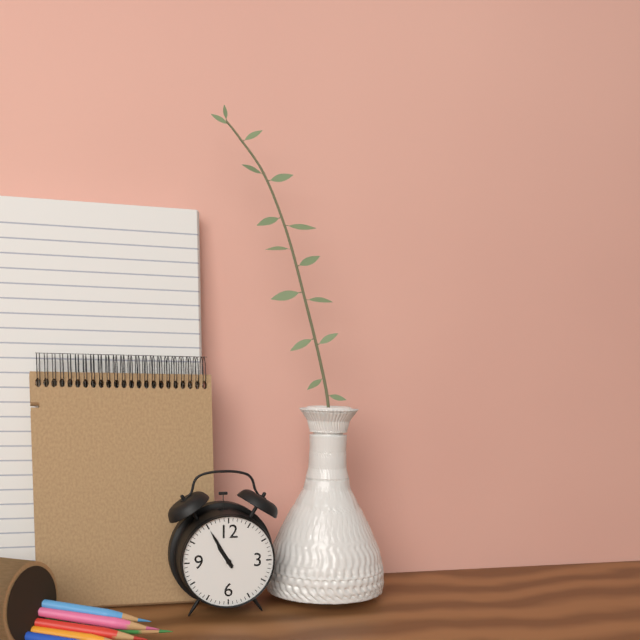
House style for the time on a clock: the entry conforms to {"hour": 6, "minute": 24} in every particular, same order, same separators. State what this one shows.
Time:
{"hour": 10, "minute": 55}
